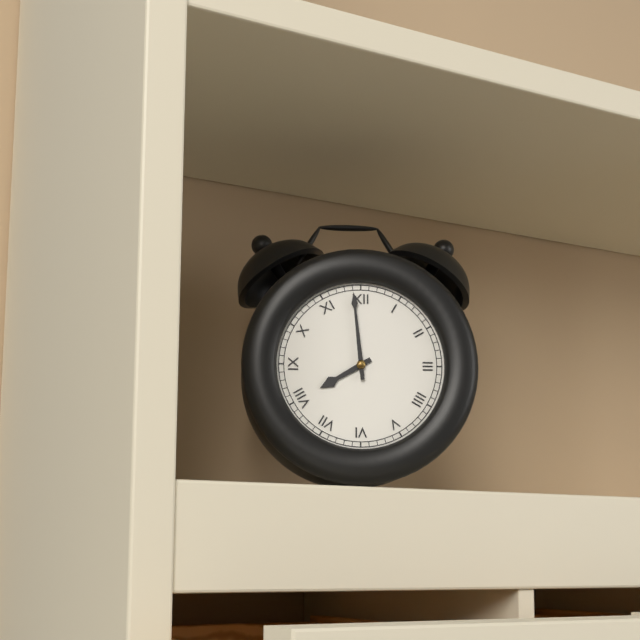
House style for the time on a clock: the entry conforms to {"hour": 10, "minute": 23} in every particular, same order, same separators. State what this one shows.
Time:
{"hour": 7, "minute": 59}
